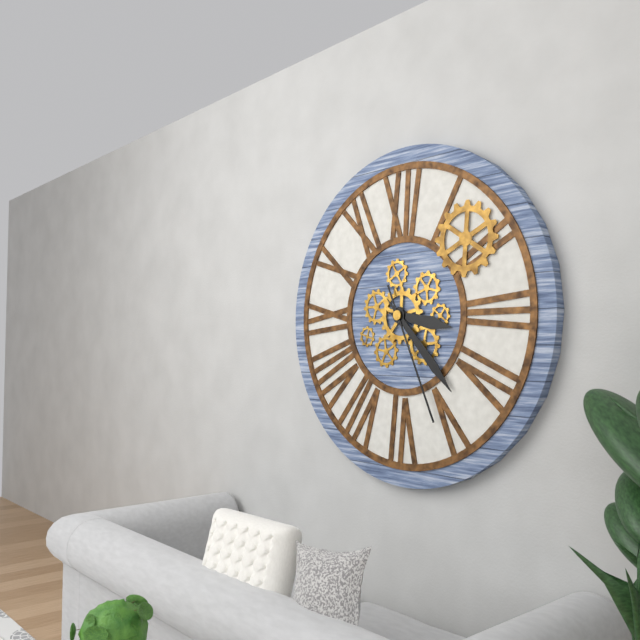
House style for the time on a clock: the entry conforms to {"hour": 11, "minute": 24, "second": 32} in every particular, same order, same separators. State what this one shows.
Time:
{"hour": 3, "minute": 23, "second": 26}
